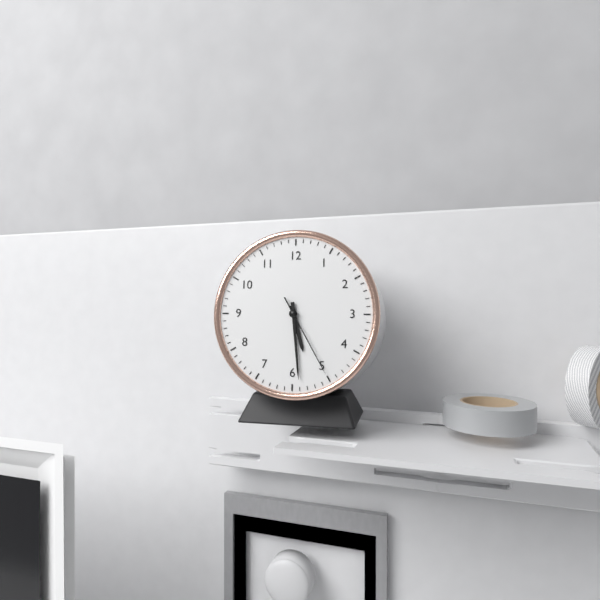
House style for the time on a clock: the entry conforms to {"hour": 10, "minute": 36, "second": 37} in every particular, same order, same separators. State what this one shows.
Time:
{"hour": 5, "minute": 29, "second": 25}
